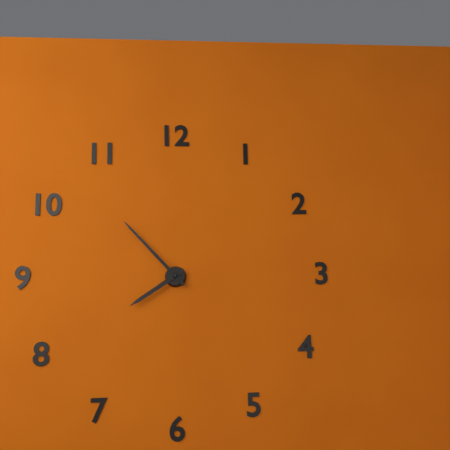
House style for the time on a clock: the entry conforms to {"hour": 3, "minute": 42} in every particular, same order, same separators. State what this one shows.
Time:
{"hour": 7, "minute": 53}
